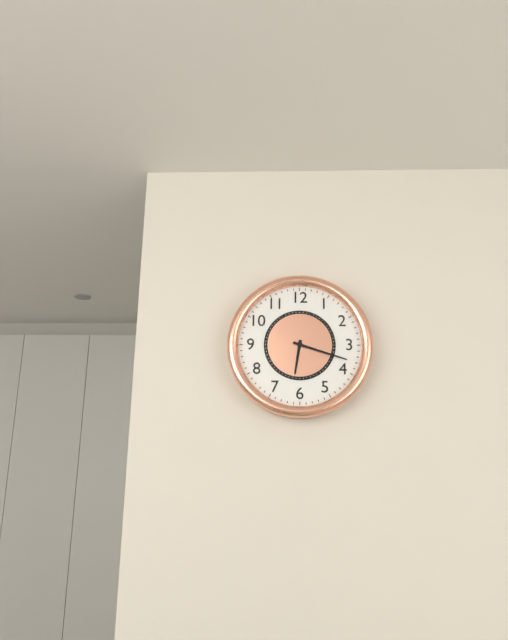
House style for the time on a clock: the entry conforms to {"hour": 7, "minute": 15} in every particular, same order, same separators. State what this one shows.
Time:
{"hour": 6, "minute": 18}
